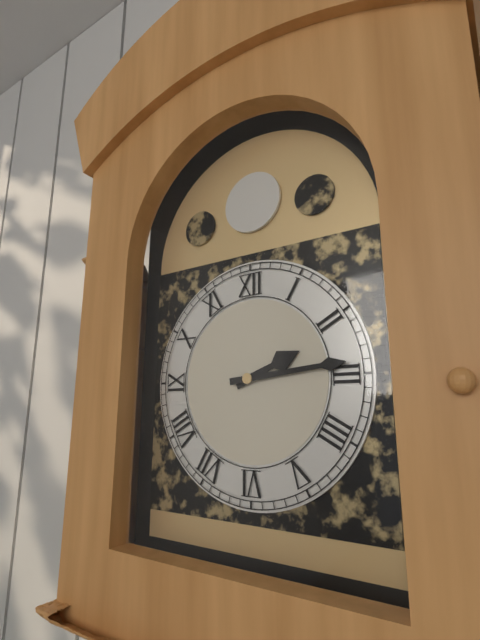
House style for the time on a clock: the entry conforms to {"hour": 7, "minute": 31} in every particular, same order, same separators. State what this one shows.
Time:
{"hour": 2, "minute": 14}
